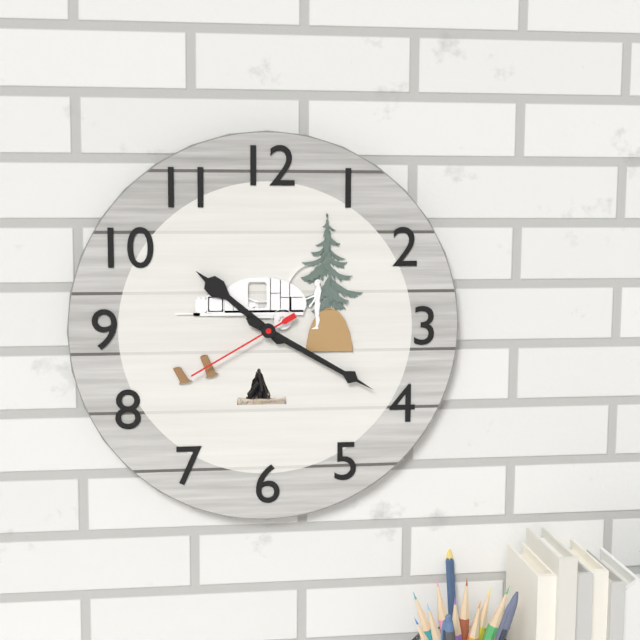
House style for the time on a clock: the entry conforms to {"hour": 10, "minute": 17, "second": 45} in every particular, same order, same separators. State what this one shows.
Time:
{"hour": 10, "minute": 20, "second": 40}
